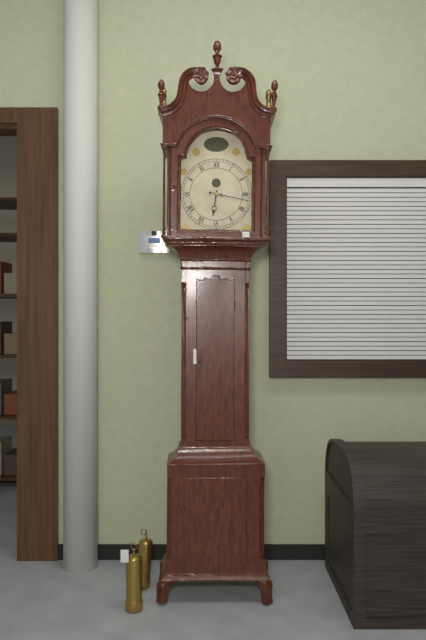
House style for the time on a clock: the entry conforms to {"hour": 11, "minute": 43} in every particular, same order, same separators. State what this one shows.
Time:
{"hour": 6, "minute": 17}
